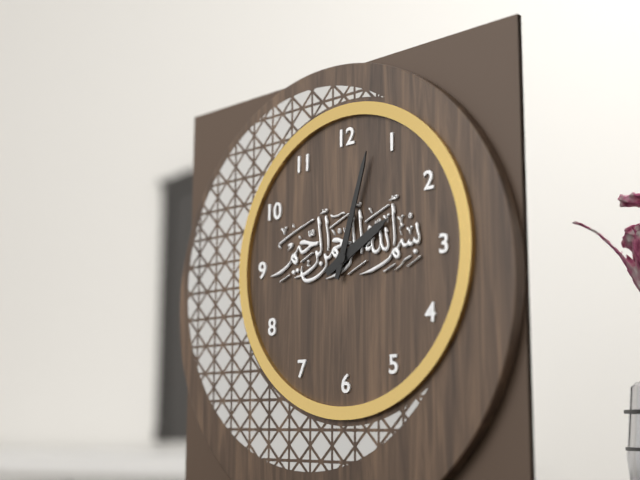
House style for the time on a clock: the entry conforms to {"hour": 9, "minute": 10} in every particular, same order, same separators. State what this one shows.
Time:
{"hour": 2, "minute": 3}
